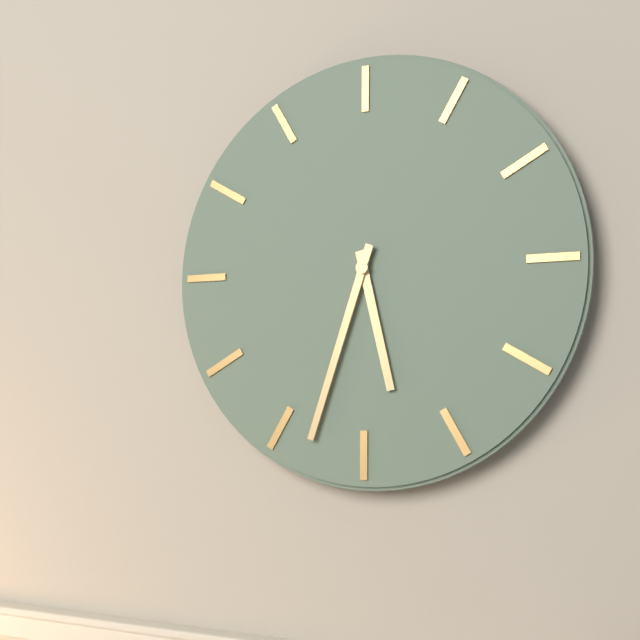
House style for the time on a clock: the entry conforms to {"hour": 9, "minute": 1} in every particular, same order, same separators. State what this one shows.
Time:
{"hour": 5, "minute": 33}
